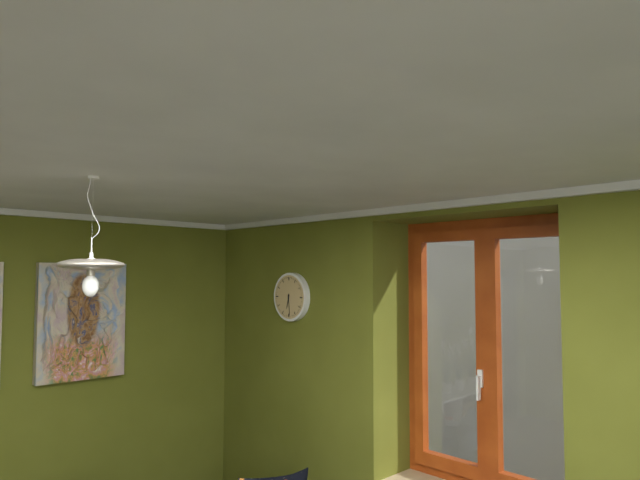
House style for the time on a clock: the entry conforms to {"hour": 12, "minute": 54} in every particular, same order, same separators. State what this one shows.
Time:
{"hour": 6, "minute": 29}
